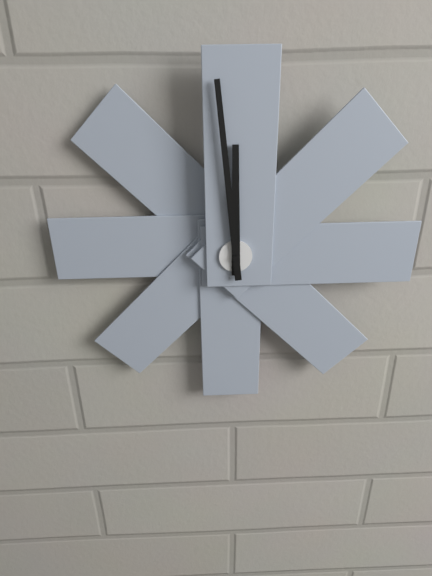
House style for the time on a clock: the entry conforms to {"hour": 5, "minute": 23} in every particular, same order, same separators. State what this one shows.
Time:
{"hour": 11, "minute": 59}
